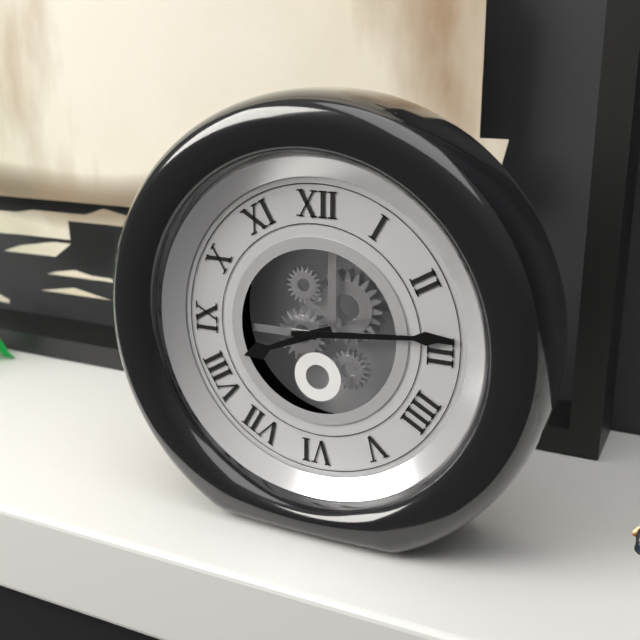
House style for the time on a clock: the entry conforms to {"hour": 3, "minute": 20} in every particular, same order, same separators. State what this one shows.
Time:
{"hour": 8, "minute": 14}
